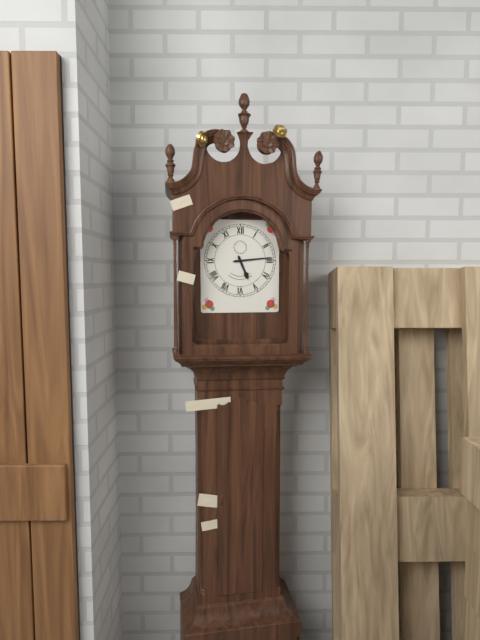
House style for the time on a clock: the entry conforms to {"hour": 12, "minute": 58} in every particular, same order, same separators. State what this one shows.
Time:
{"hour": 5, "minute": 14}
